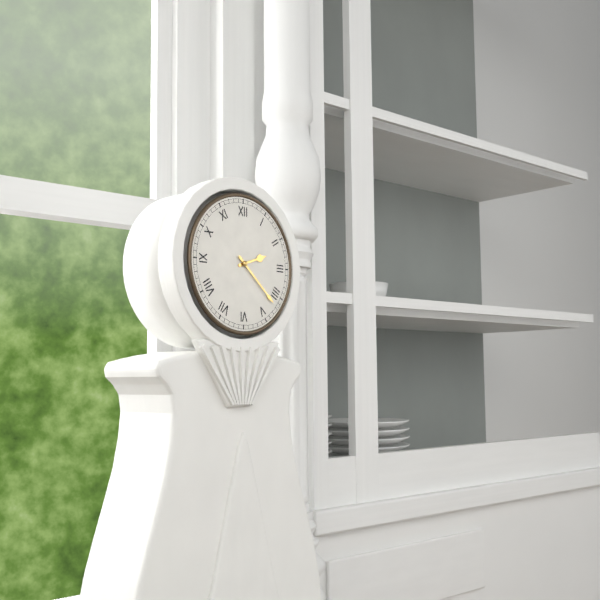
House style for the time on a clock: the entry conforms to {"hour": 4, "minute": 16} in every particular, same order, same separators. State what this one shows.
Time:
{"hour": 2, "minute": 22}
